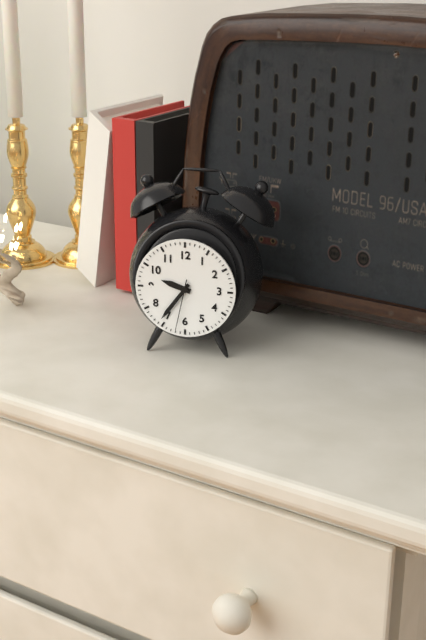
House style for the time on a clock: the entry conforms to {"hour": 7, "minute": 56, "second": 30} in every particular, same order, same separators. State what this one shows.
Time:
{"hour": 9, "minute": 36, "second": 32}
